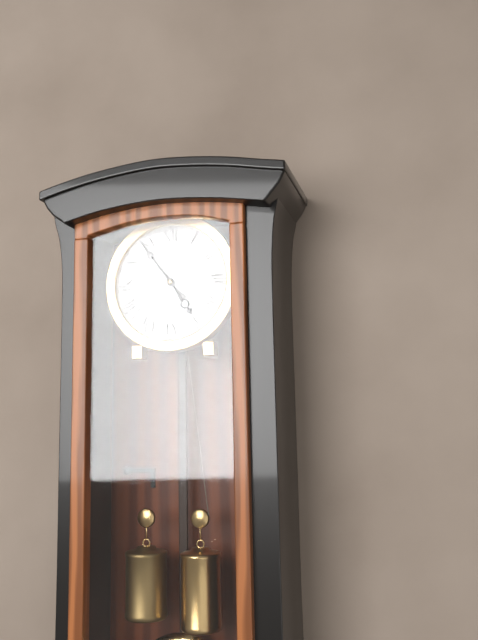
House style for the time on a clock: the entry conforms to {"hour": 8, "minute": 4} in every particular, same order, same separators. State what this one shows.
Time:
{"hour": 4, "minute": 54}
